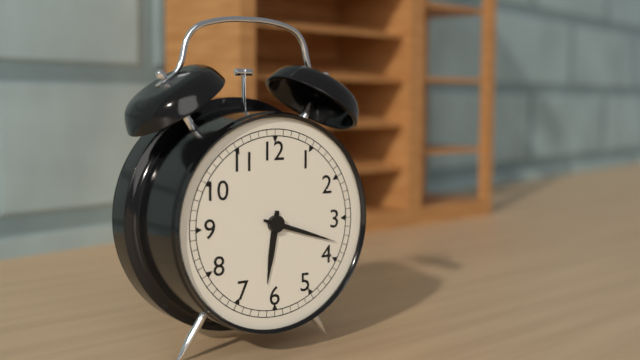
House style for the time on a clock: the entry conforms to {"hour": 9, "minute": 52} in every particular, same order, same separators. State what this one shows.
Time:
{"hour": 6, "minute": 18}
